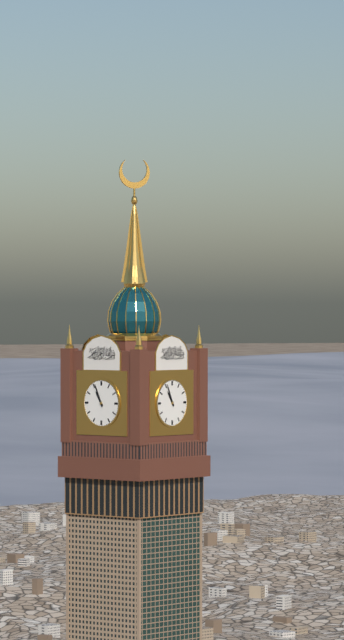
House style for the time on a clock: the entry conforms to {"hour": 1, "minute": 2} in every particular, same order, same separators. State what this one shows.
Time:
{"hour": 10, "minute": 56}
